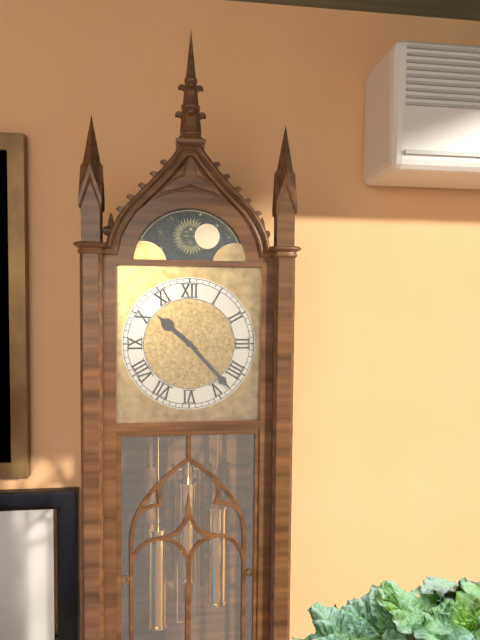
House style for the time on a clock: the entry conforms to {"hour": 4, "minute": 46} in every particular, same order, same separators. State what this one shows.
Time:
{"hour": 10, "minute": 23}
